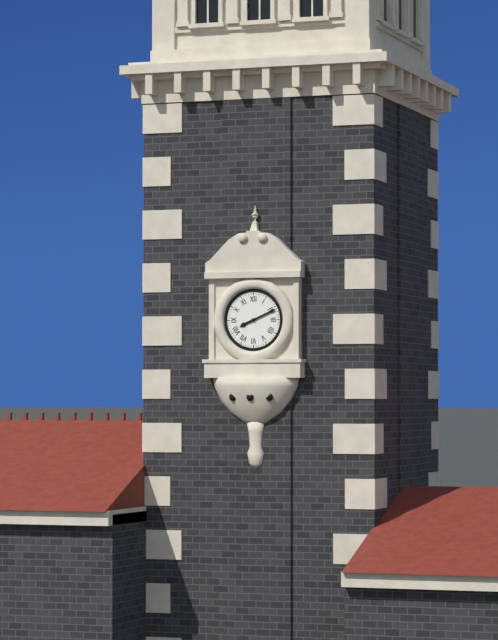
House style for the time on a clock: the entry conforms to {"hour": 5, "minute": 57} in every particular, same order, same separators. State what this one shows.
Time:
{"hour": 8, "minute": 11}
